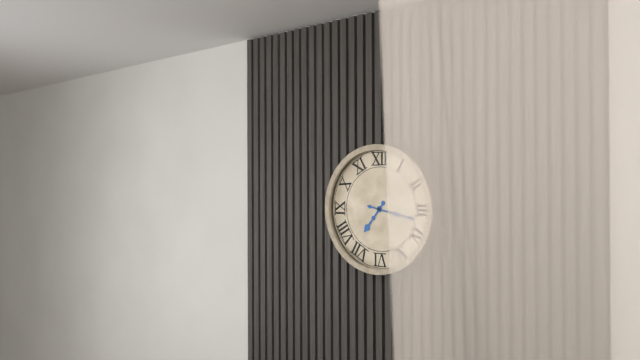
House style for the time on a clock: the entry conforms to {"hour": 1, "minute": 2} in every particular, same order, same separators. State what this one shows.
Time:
{"hour": 7, "minute": 17}
